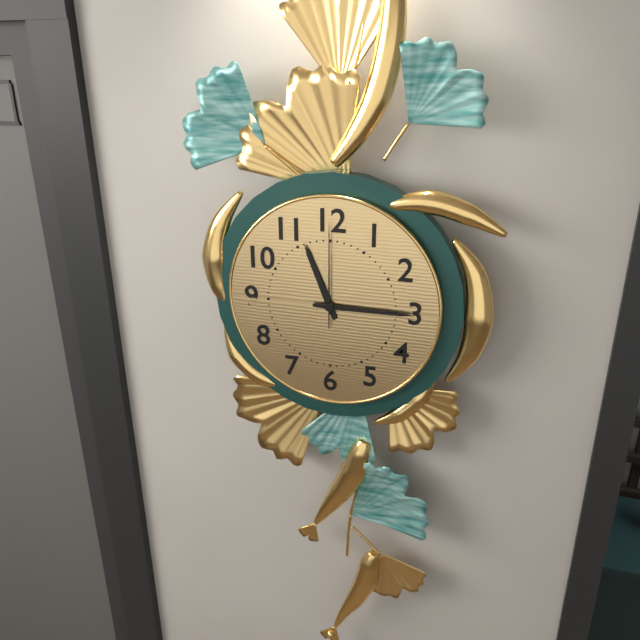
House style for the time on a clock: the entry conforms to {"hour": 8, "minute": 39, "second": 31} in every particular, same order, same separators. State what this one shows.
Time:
{"hour": 11, "minute": 15, "second": 0}
